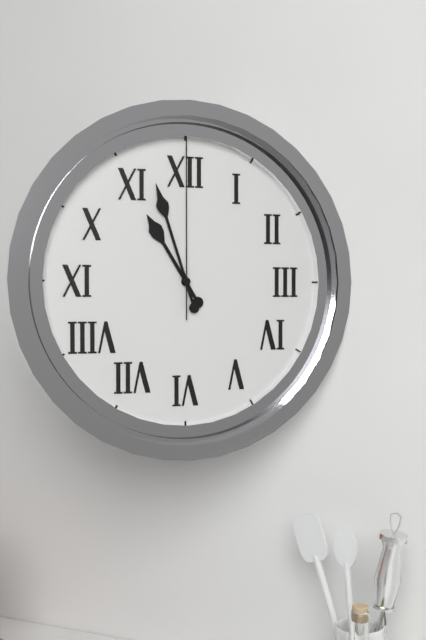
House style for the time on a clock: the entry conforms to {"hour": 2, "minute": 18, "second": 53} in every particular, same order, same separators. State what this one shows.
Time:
{"hour": 10, "minute": 57, "second": 0}
